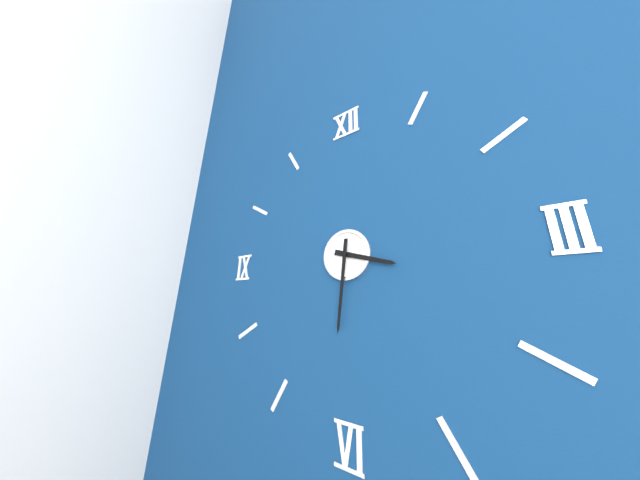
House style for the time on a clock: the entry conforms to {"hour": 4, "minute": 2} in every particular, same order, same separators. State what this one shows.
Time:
{"hour": 3, "minute": 31}
